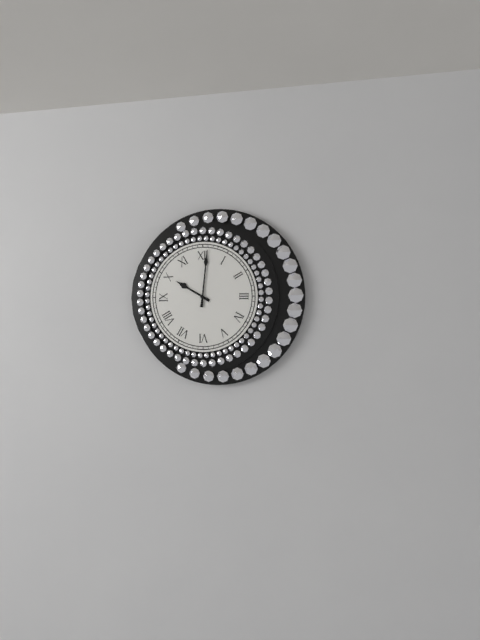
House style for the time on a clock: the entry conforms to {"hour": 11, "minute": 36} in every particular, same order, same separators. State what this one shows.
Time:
{"hour": 10, "minute": 1}
